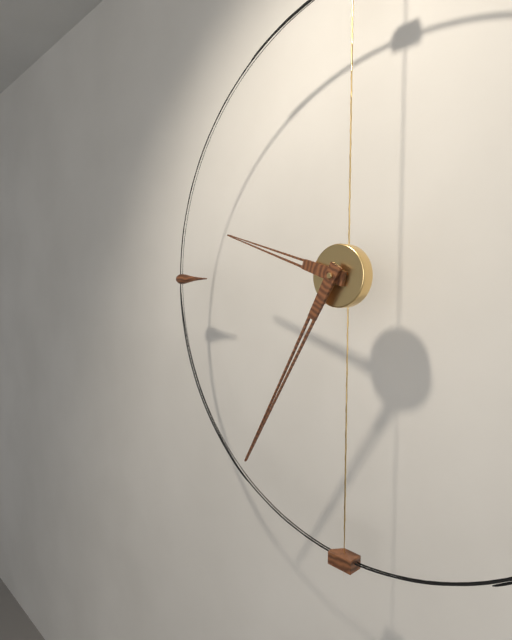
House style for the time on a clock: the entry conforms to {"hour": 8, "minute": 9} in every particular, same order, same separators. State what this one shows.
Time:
{"hour": 9, "minute": 35}
